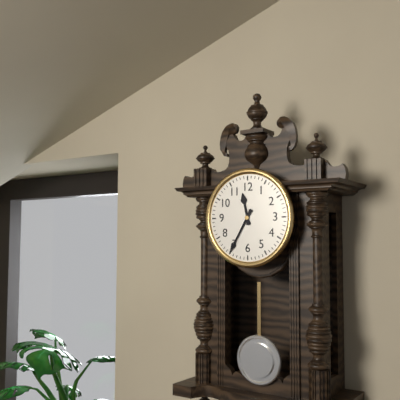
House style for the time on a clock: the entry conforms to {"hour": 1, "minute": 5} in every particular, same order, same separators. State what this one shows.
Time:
{"hour": 11, "minute": 35}
